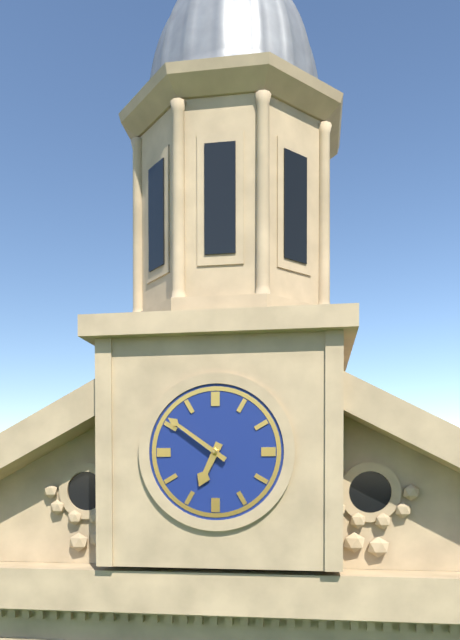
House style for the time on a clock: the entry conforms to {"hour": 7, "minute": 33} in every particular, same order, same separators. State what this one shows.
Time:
{"hour": 6, "minute": 51}
